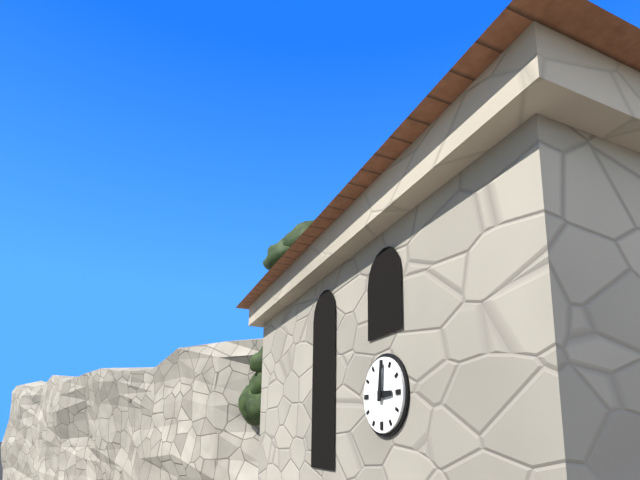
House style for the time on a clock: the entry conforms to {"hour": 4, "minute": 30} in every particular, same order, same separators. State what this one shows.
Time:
{"hour": 3, "minute": 1}
